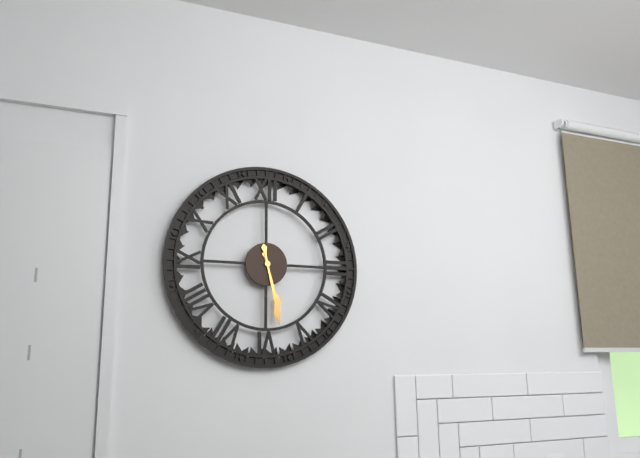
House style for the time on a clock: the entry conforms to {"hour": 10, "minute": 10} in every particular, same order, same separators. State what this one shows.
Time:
{"hour": 5, "minute": 28}
